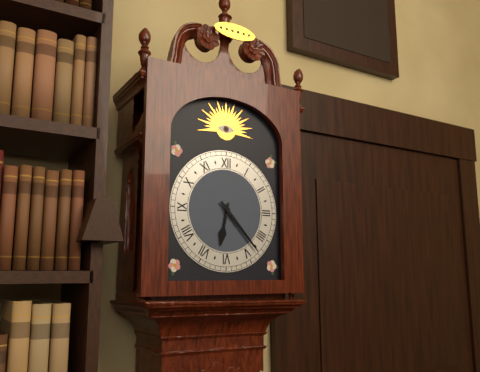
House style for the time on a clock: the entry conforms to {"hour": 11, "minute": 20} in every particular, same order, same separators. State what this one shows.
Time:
{"hour": 6, "minute": 23}
